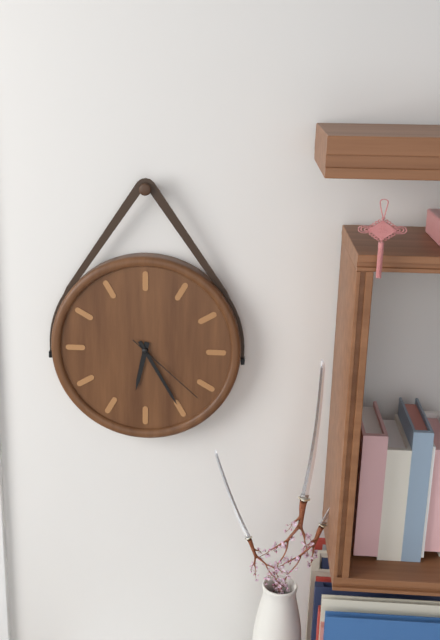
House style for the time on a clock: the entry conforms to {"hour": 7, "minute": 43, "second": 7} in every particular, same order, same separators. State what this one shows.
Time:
{"hour": 6, "minute": 25, "second": 22}
